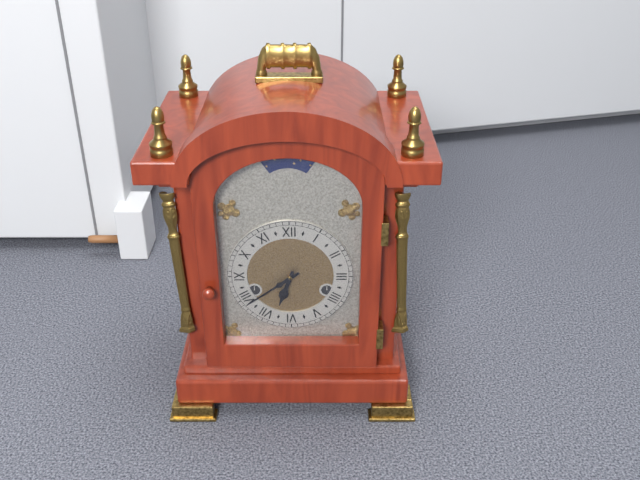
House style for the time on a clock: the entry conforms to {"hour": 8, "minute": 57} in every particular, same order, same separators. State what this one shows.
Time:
{"hour": 6, "minute": 39}
